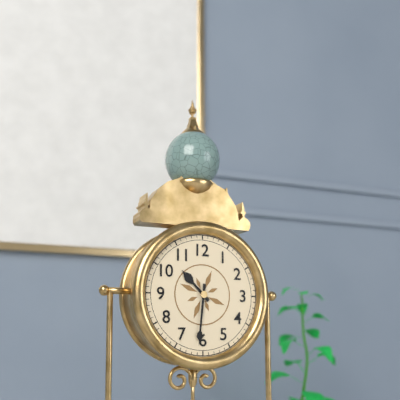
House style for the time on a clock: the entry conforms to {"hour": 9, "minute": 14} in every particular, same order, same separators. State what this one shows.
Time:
{"hour": 10, "minute": 31}
